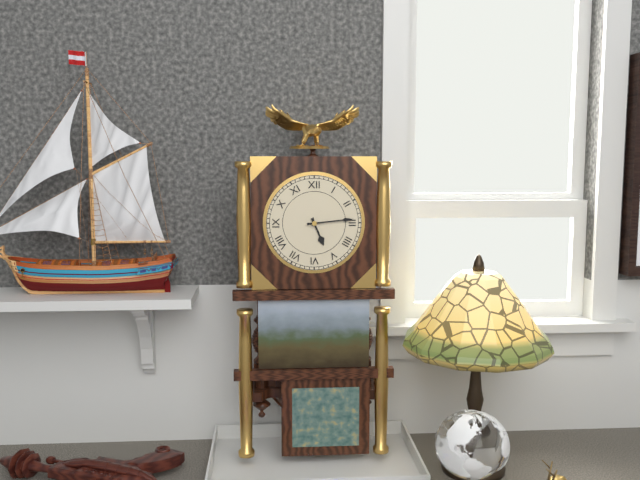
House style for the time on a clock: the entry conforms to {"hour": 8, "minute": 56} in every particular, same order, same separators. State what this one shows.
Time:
{"hour": 5, "minute": 14}
